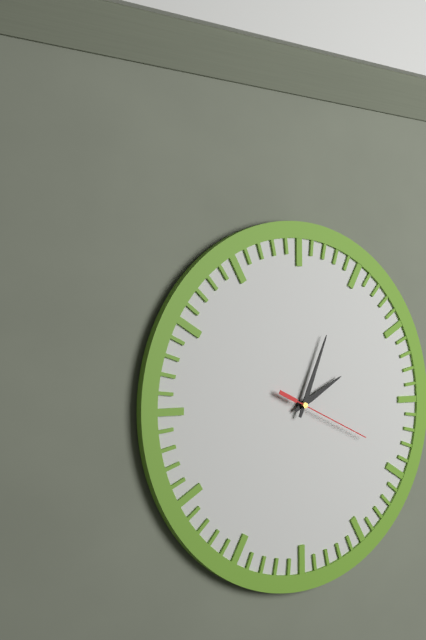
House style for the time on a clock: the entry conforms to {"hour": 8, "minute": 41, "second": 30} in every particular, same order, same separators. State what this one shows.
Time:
{"hour": 2, "minute": 4, "second": 19}
